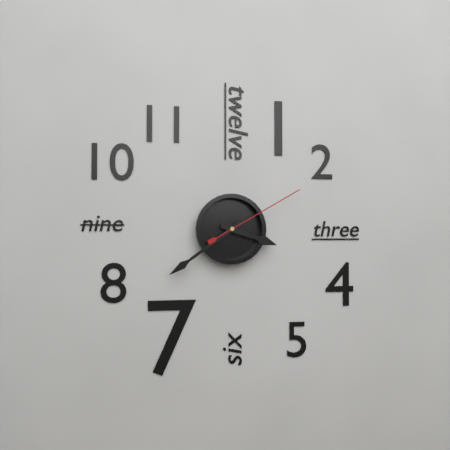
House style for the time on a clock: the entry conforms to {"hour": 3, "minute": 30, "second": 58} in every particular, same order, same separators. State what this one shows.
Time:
{"hour": 3, "minute": 39, "second": 10}
